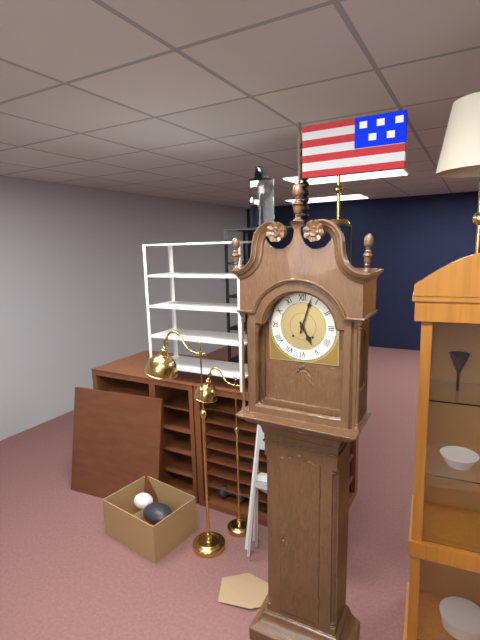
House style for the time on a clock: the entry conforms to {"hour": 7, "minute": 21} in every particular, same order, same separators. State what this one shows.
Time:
{"hour": 5, "minute": 3}
